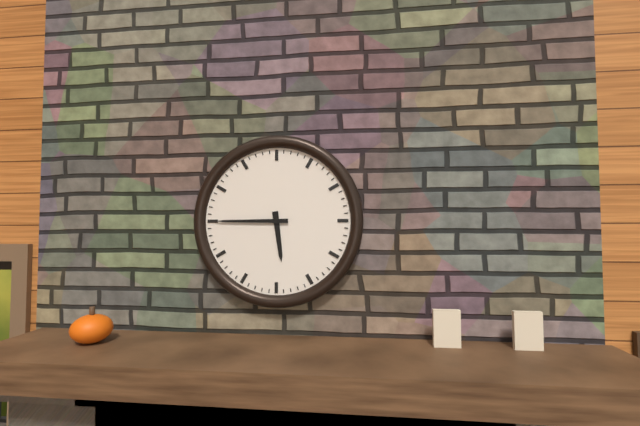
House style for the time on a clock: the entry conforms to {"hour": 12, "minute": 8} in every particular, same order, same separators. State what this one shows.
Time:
{"hour": 5, "minute": 45}
